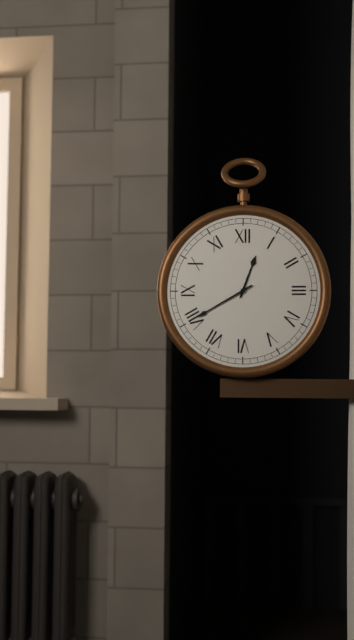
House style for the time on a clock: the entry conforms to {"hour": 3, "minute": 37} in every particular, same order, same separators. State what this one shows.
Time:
{"hour": 12, "minute": 40}
